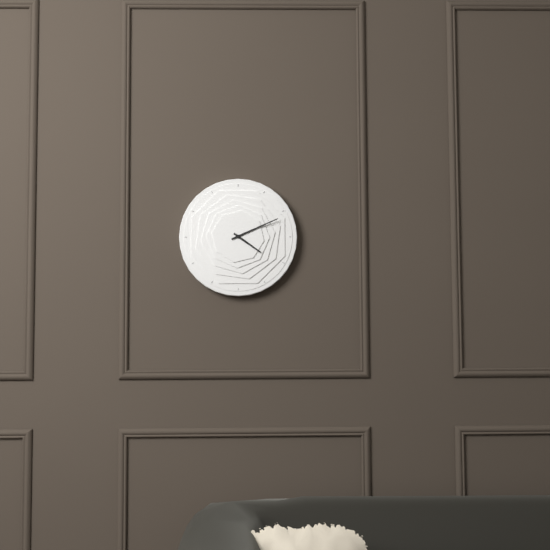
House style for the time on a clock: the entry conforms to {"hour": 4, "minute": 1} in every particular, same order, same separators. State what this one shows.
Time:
{"hour": 4, "minute": 11}
